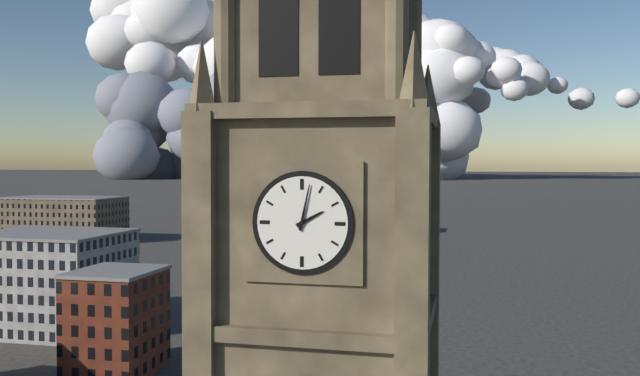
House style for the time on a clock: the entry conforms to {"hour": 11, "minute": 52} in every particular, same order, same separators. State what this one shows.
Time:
{"hour": 2, "minute": 2}
